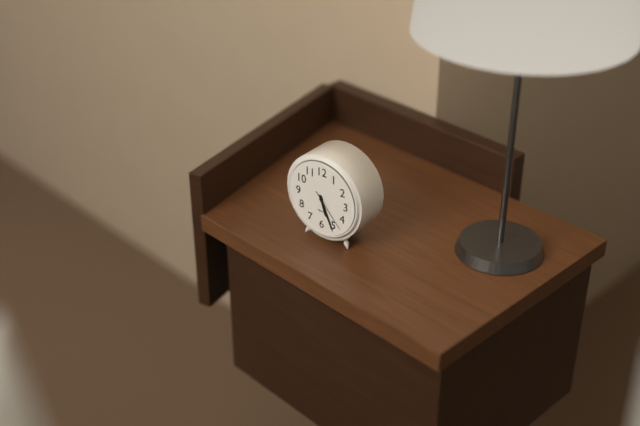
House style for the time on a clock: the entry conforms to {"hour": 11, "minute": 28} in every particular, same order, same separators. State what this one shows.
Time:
{"hour": 5, "minute": 26}
